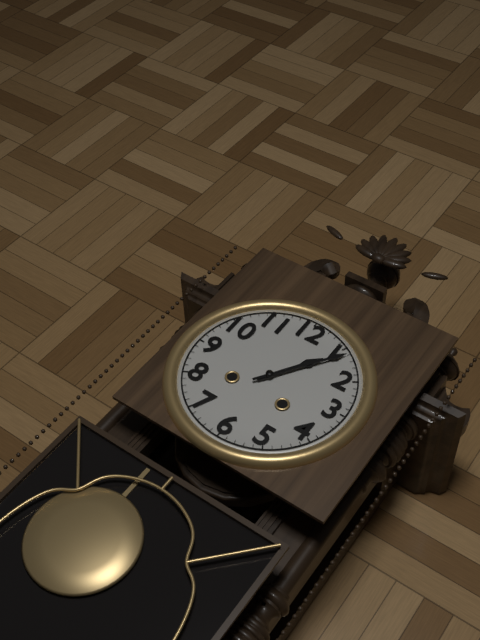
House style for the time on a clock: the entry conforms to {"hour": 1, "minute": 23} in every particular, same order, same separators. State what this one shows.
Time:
{"hour": 1, "minute": 6}
